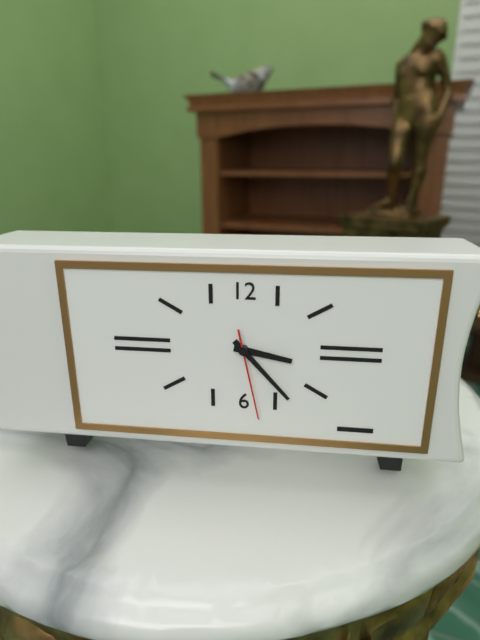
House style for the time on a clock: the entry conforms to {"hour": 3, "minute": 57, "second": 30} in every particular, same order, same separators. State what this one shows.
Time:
{"hour": 3, "minute": 23, "second": 28}
